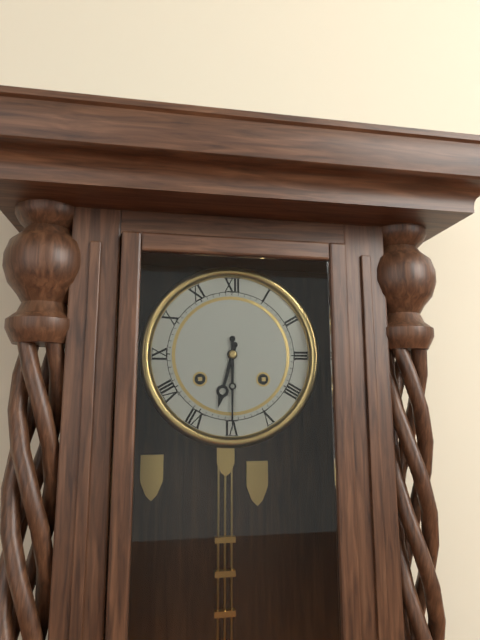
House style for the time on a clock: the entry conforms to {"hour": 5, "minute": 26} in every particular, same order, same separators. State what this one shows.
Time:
{"hour": 6, "minute": 30}
